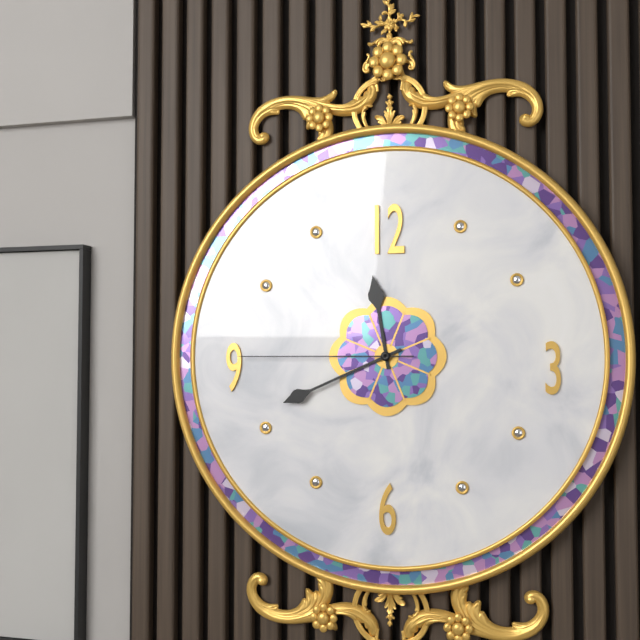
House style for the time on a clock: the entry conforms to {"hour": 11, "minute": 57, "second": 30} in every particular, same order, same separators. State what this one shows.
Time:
{"hour": 11, "minute": 41, "second": 45}
